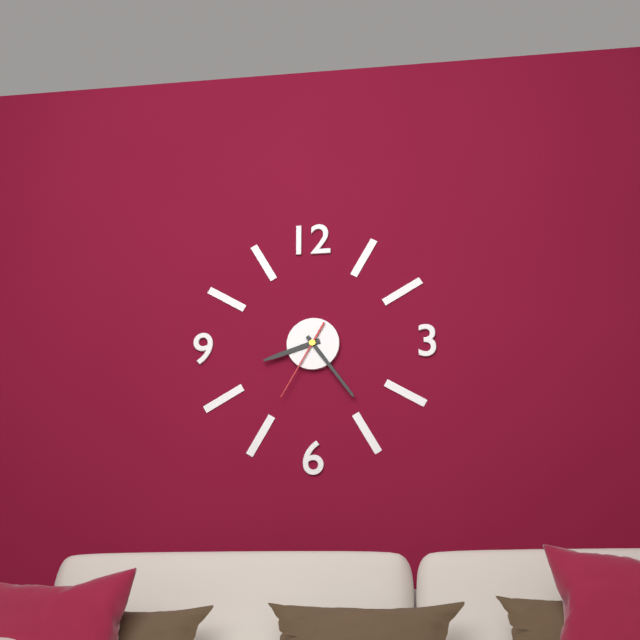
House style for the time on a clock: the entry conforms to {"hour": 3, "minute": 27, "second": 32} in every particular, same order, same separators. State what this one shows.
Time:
{"hour": 8, "minute": 24, "second": 35}
